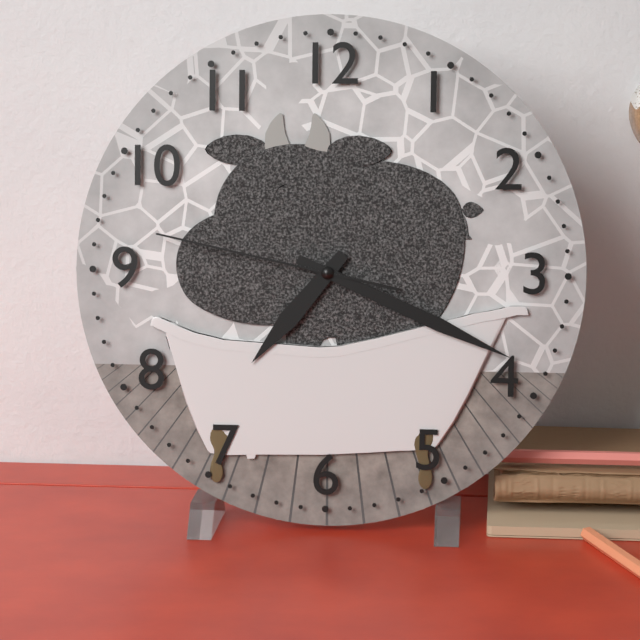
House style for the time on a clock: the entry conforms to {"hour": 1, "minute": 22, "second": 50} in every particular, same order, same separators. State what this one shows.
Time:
{"hour": 7, "minute": 19, "second": 47}
